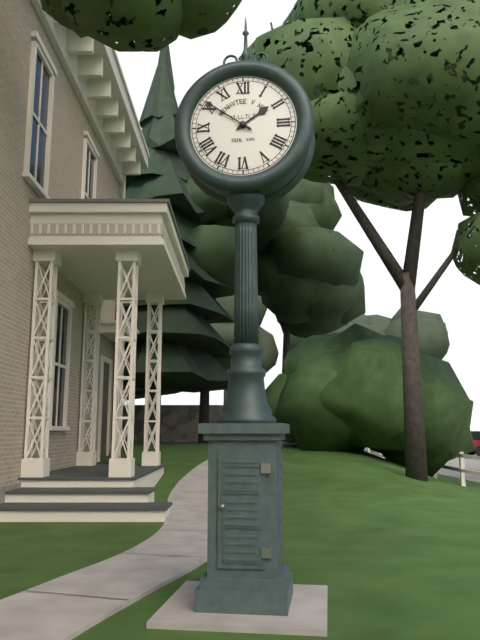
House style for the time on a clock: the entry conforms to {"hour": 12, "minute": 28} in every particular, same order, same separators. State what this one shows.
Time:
{"hour": 1, "minute": 51}
